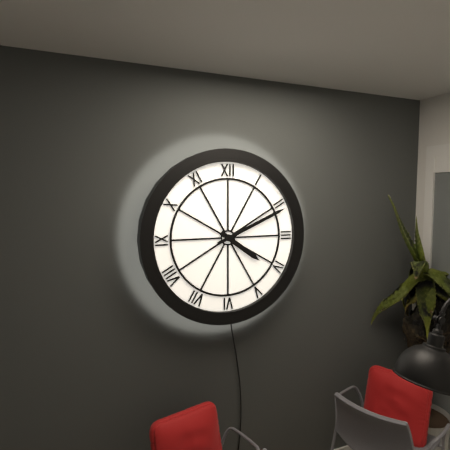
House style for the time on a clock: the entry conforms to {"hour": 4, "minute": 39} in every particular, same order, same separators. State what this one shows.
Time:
{"hour": 4, "minute": 11}
